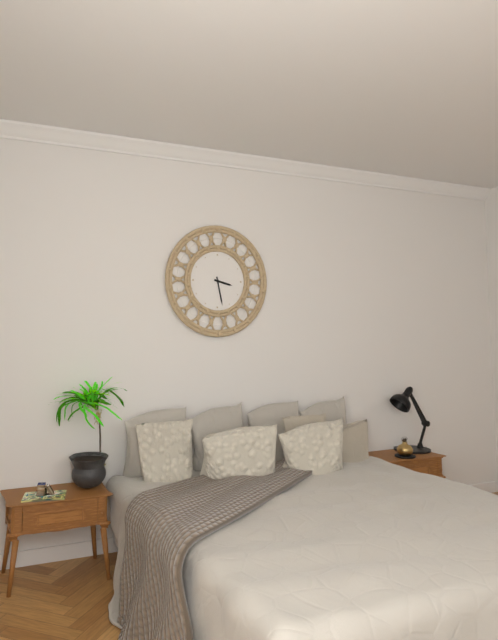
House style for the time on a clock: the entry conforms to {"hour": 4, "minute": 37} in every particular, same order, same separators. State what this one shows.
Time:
{"hour": 3, "minute": 28}
